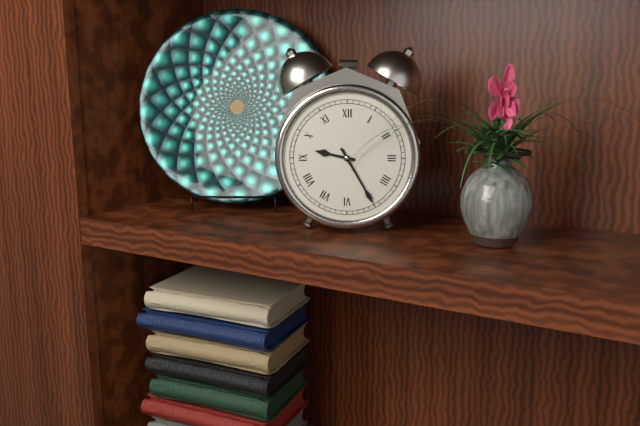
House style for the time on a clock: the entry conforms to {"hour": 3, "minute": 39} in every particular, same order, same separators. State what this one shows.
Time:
{"hour": 9, "minute": 25}
